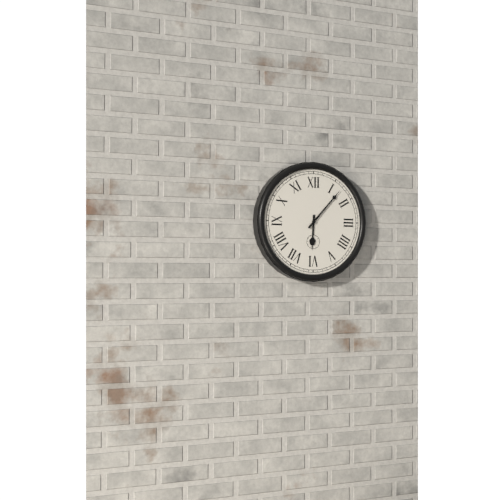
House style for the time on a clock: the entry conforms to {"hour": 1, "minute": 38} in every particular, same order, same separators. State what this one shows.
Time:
{"hour": 6, "minute": 7}
